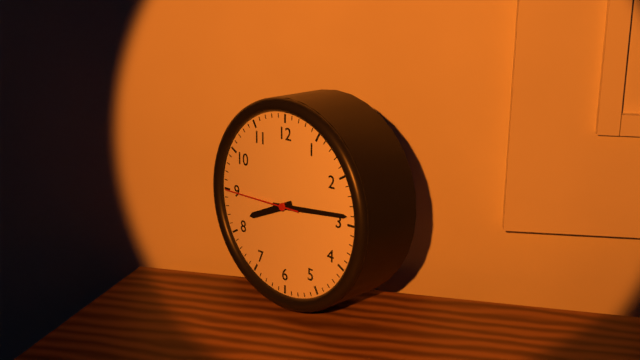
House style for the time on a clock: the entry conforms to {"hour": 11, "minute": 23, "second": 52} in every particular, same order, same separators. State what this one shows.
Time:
{"hour": 8, "minute": 14, "second": 45}
